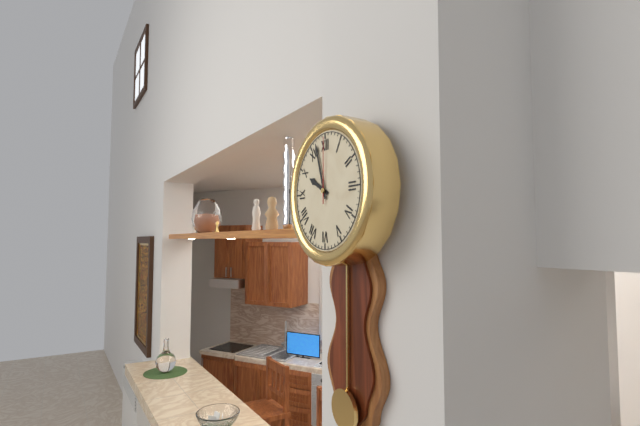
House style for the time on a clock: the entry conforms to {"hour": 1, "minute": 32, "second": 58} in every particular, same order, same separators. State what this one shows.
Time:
{"hour": 9, "minute": 57, "second": 0}
